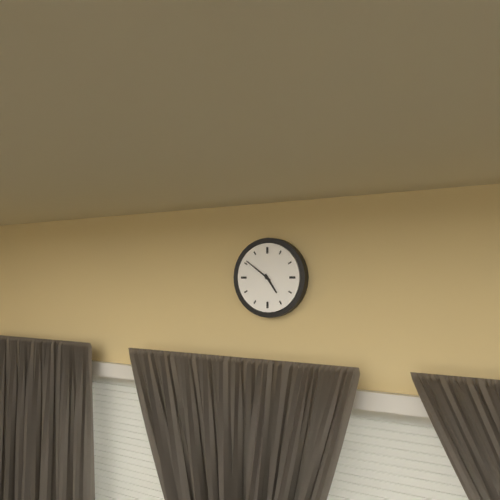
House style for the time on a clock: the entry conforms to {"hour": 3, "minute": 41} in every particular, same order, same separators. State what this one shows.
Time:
{"hour": 4, "minute": 51}
